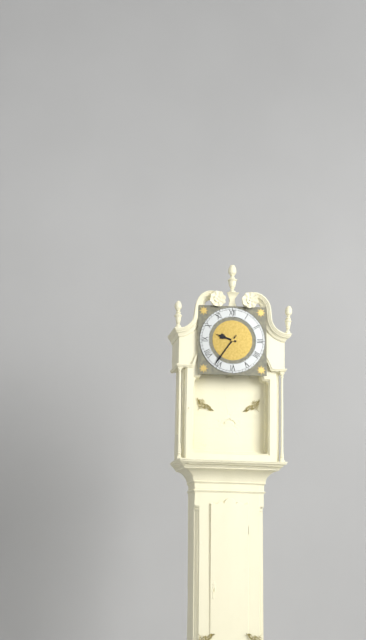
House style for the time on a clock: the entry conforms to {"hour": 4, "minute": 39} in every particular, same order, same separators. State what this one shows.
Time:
{"hour": 9, "minute": 36}
